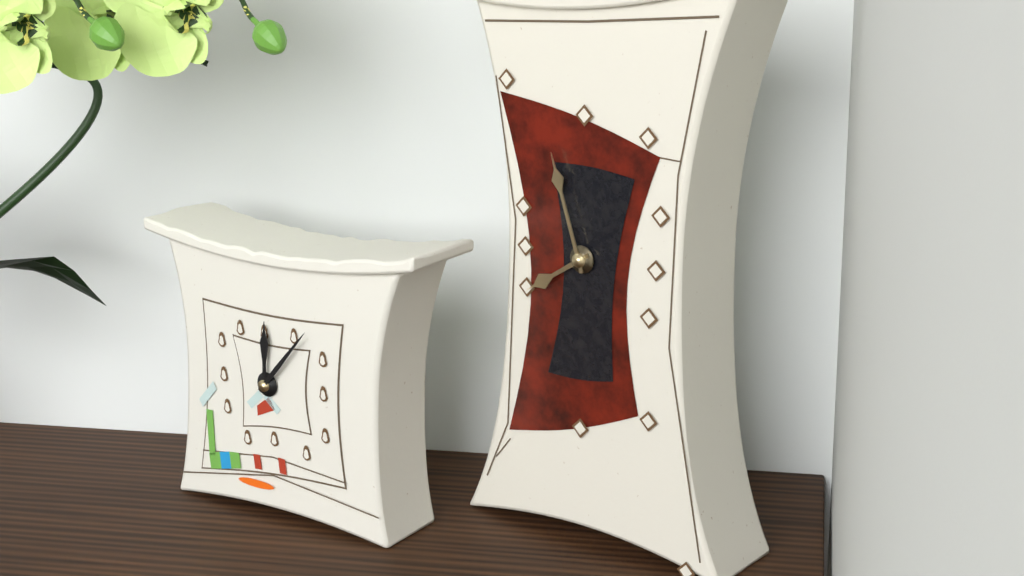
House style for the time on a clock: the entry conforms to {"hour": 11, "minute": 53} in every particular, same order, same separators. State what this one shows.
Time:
{"hour": 7, "minute": 57}
